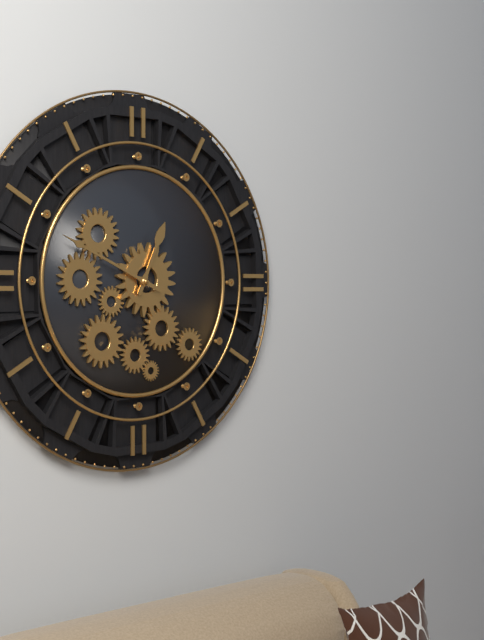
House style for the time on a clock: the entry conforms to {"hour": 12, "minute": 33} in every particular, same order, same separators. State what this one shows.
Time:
{"hour": 12, "minute": 49}
